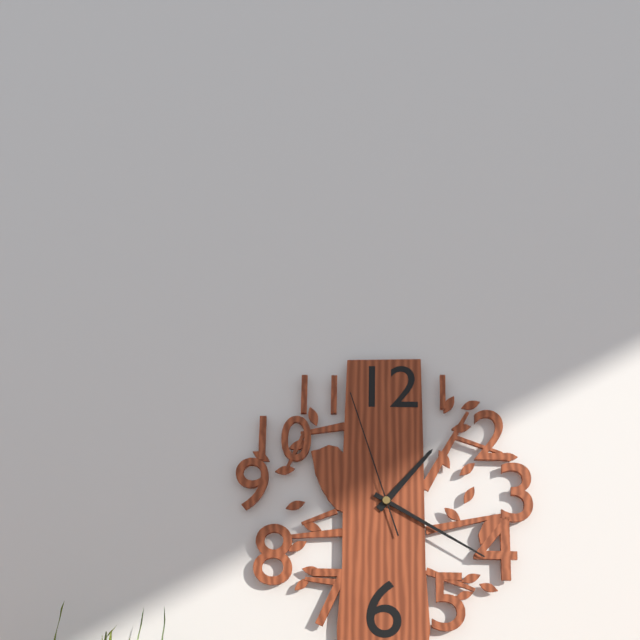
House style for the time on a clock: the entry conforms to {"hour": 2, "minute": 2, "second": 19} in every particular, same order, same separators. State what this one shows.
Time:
{"hour": 1, "minute": 20, "second": 57}
